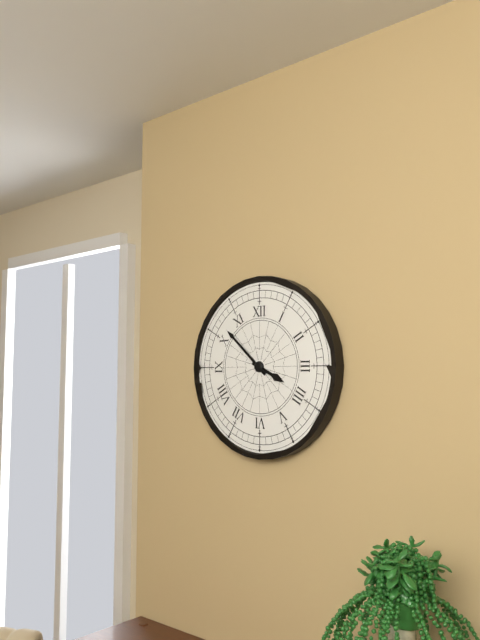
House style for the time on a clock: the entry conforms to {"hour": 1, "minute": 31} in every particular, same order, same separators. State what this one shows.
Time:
{"hour": 3, "minute": 52}
